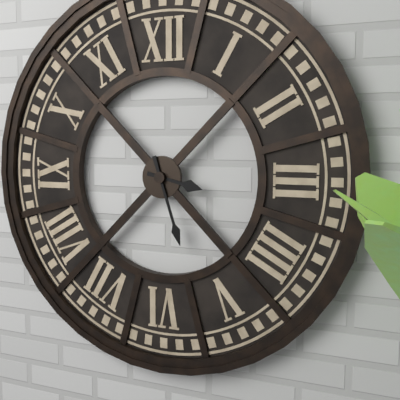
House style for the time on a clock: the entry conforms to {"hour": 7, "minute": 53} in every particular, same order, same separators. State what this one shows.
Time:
{"hour": 3, "minute": 27}
